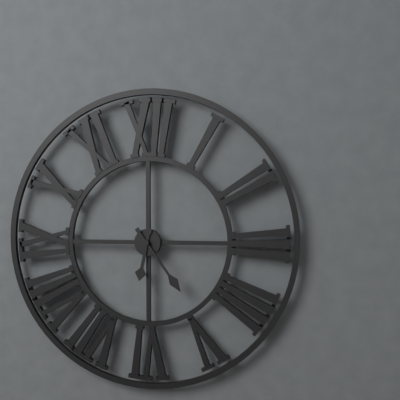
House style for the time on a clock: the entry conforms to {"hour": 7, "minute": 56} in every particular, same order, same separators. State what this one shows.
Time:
{"hour": 6, "minute": 24}
